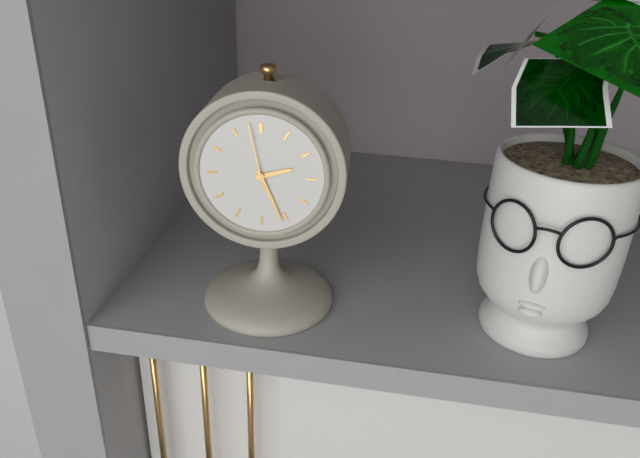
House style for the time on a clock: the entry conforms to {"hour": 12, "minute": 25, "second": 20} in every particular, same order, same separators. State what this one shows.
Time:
{"hour": 2, "minute": 26, "second": 58}
